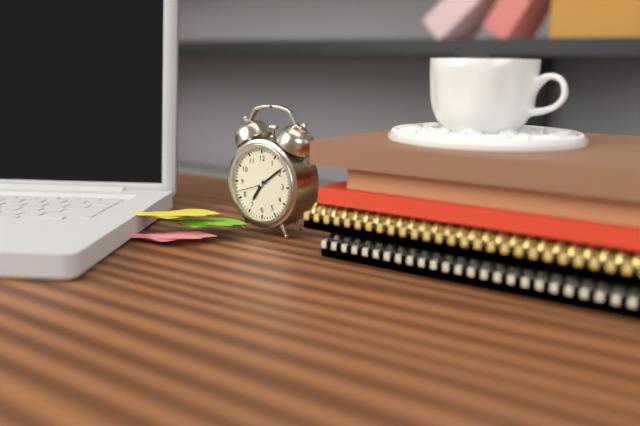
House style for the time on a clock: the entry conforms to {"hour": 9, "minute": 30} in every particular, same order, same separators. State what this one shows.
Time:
{"hour": 7, "minute": 9}
